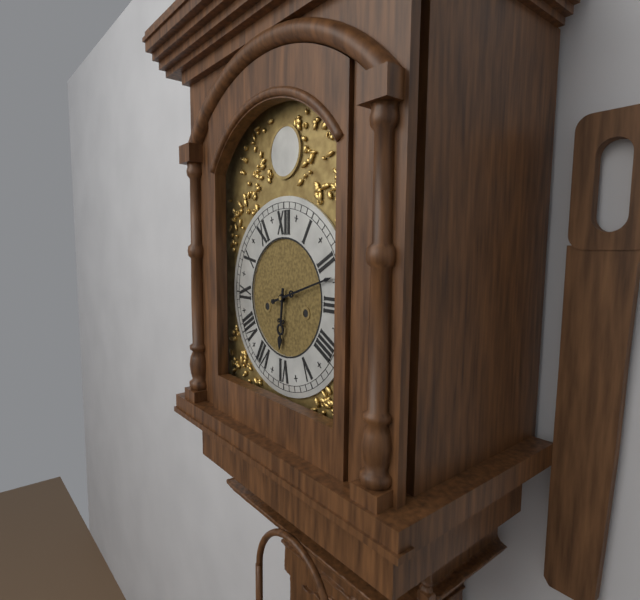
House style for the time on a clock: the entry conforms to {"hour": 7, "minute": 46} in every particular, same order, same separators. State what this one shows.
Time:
{"hour": 6, "minute": 12}
